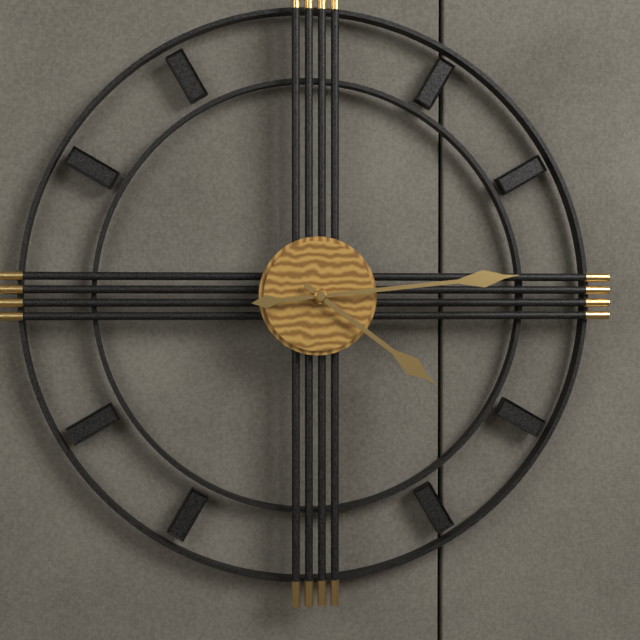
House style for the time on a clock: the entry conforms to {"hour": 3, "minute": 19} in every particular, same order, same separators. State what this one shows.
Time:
{"hour": 4, "minute": 14}
